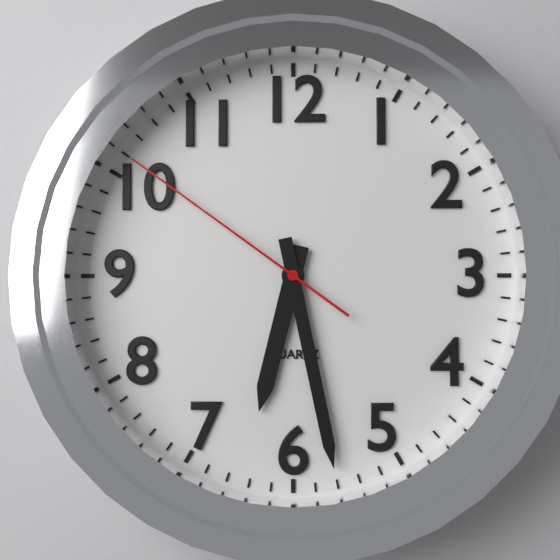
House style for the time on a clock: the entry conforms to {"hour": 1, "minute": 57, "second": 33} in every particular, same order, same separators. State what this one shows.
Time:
{"hour": 6, "minute": 28, "second": 51}
